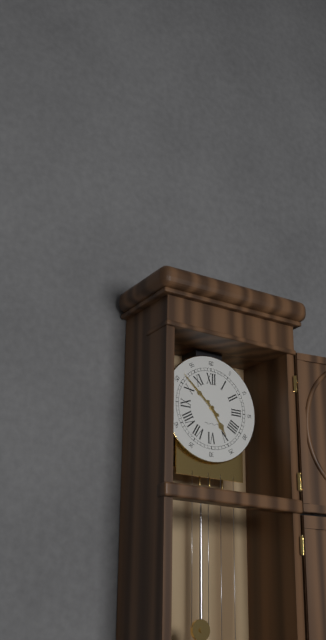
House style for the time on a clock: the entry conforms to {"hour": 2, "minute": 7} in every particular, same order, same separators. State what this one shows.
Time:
{"hour": 4, "minute": 52}
